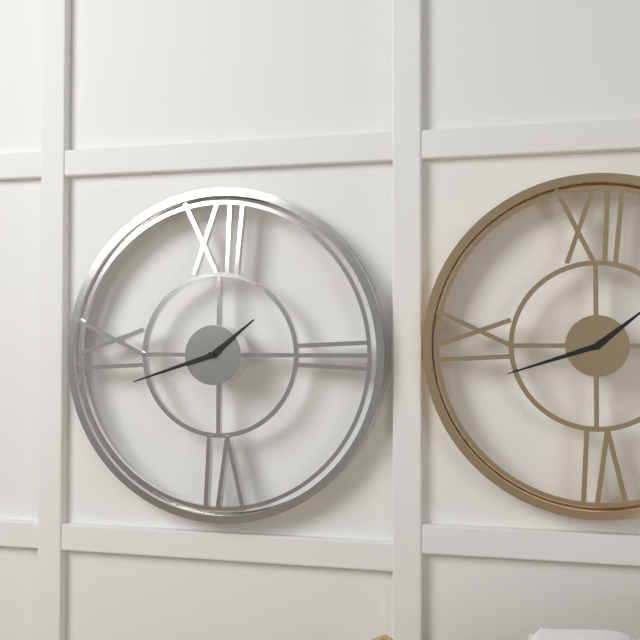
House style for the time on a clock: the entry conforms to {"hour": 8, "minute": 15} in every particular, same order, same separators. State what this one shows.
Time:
{"hour": 1, "minute": 42}
